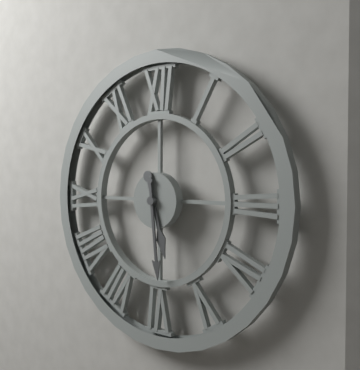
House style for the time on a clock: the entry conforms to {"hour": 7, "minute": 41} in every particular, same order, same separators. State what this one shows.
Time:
{"hour": 5, "minute": 29}
